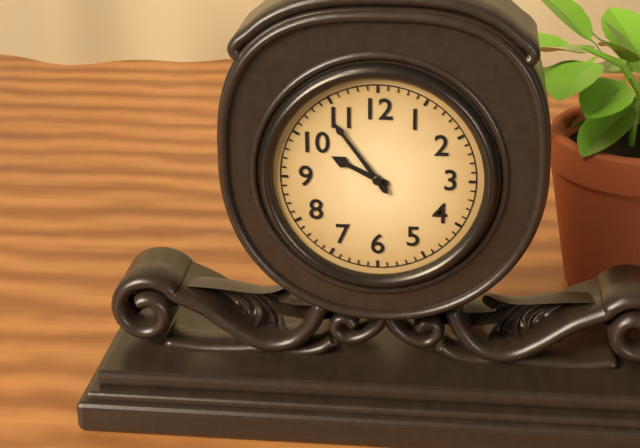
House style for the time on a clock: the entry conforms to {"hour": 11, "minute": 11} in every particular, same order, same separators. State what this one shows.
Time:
{"hour": 9, "minute": 54}
